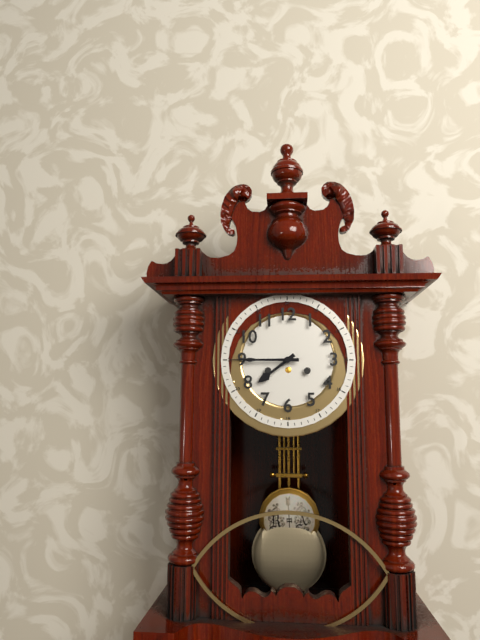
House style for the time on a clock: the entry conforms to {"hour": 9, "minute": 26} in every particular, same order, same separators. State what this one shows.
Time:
{"hour": 7, "minute": 45}
